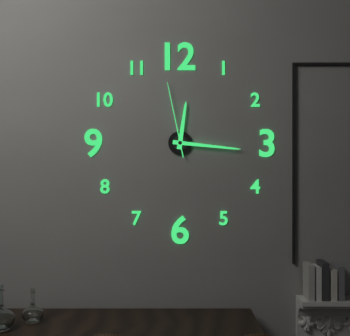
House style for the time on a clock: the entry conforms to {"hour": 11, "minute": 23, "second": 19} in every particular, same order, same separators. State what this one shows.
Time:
{"hour": 12, "minute": 16, "second": 58}
